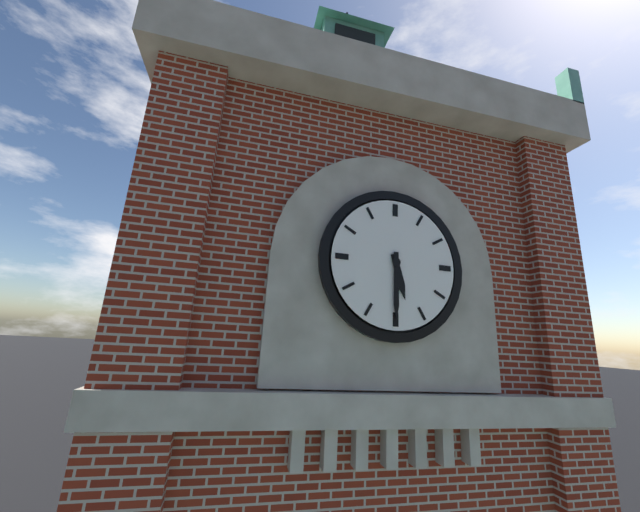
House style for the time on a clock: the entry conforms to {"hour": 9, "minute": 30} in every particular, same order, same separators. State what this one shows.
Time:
{"hour": 5, "minute": 30}
